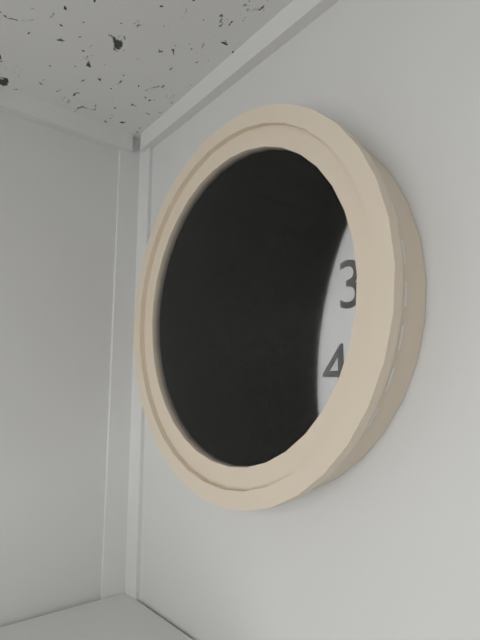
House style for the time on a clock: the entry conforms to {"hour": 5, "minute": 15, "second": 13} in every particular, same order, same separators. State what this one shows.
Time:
{"hour": 12, "minute": 44, "second": 30}
